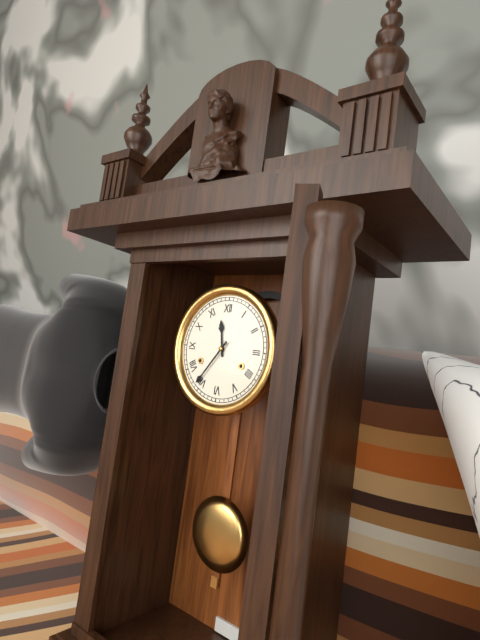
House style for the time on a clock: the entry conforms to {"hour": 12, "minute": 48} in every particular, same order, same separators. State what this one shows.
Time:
{"hour": 11, "minute": 36}
